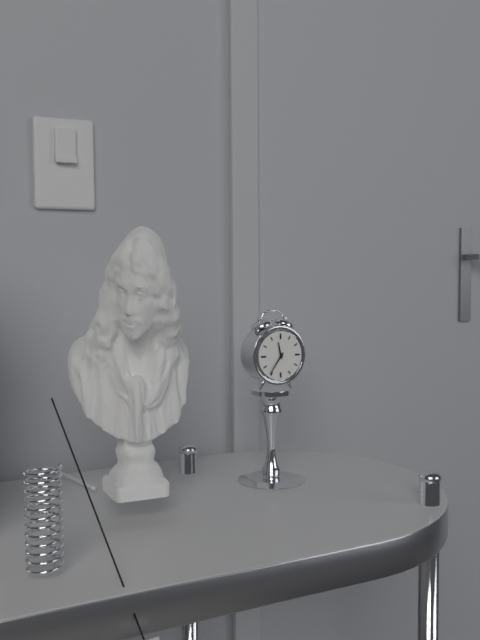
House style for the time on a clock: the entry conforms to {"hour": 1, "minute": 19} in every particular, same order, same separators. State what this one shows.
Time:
{"hour": 11, "minute": 36}
